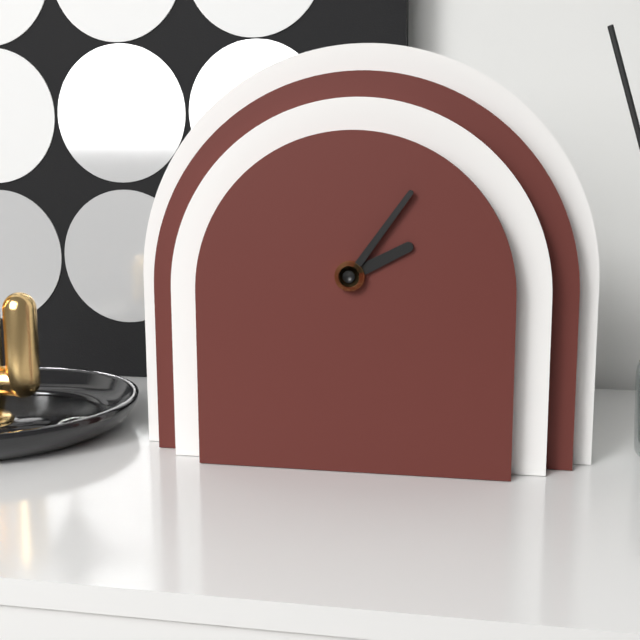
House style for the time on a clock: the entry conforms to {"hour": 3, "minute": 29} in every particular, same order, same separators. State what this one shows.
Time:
{"hour": 2, "minute": 6}
